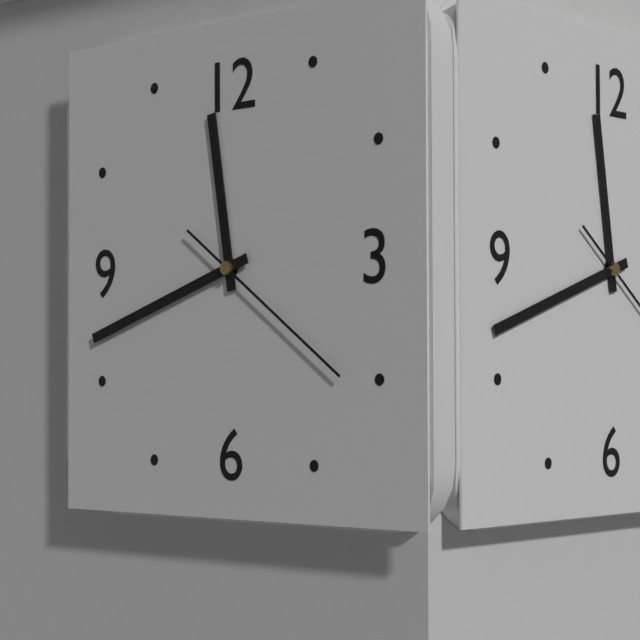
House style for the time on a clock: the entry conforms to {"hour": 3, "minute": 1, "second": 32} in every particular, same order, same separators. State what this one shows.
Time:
{"hour": 11, "minute": 42, "second": 21}
